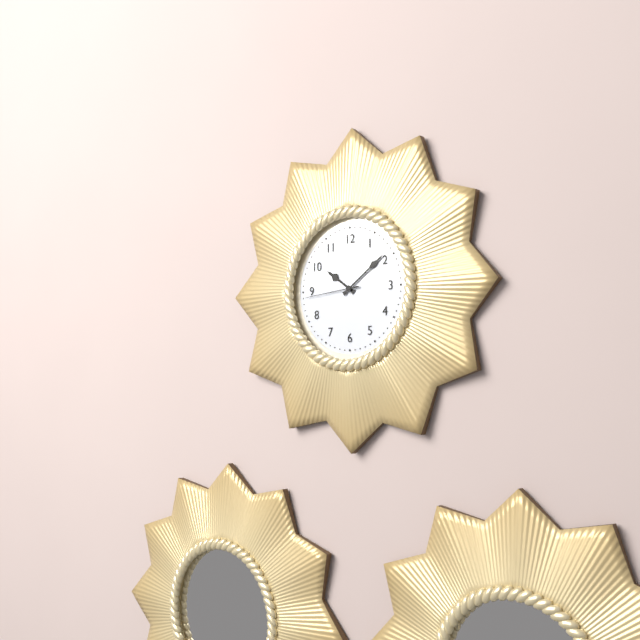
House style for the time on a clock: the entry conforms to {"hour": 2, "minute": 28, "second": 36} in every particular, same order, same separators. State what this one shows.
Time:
{"hour": 10, "minute": 9, "second": 44}
